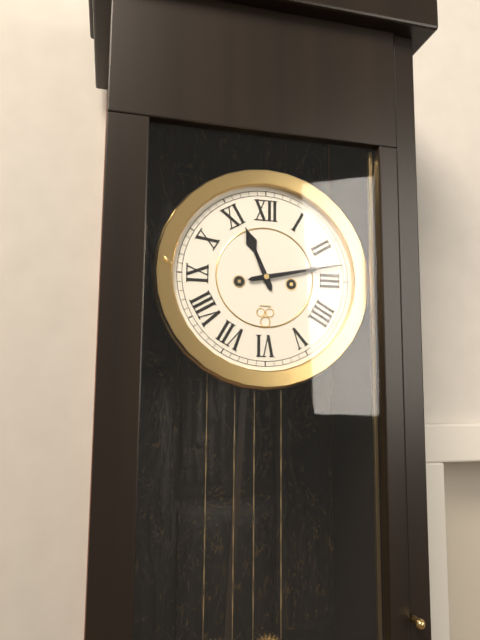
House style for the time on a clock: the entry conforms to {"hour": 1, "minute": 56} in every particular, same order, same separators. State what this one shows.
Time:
{"hour": 11, "minute": 13}
